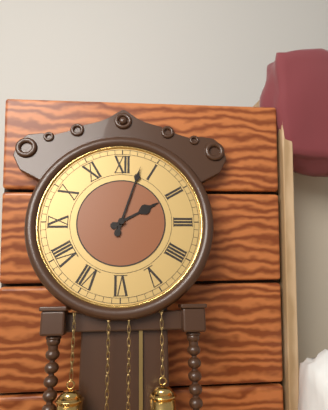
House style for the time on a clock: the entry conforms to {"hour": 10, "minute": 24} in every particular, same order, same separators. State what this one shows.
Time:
{"hour": 2, "minute": 3}
